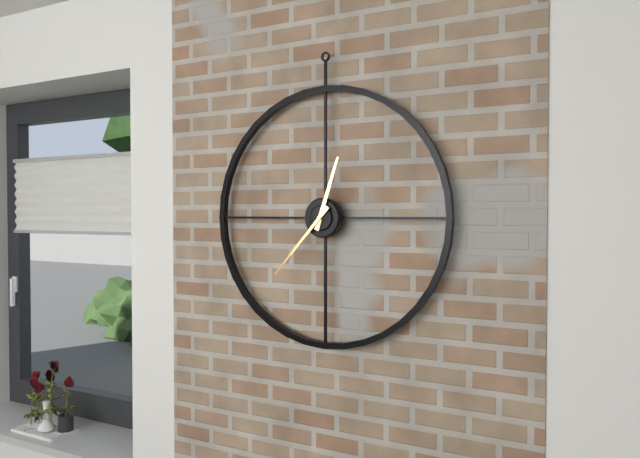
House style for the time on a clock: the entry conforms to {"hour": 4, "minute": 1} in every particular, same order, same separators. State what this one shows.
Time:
{"hour": 12, "minute": 37}
